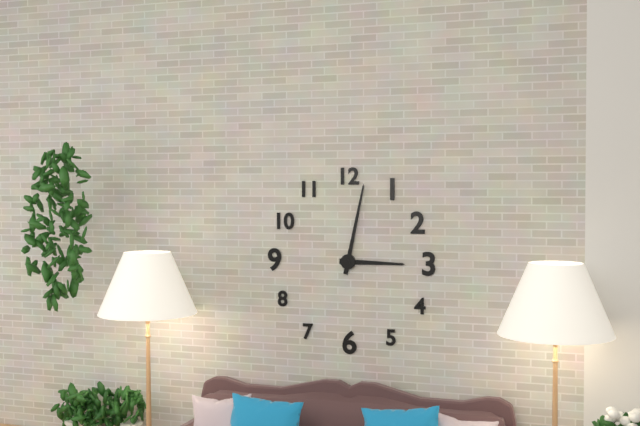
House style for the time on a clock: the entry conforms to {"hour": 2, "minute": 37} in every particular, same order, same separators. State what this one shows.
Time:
{"hour": 3, "minute": 2}
